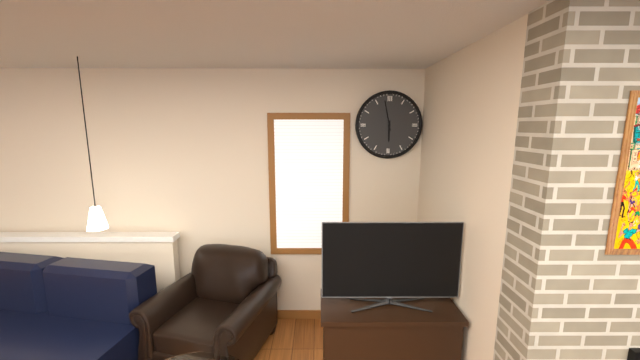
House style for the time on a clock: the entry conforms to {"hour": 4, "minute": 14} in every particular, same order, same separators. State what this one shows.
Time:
{"hour": 5, "minute": 58}
